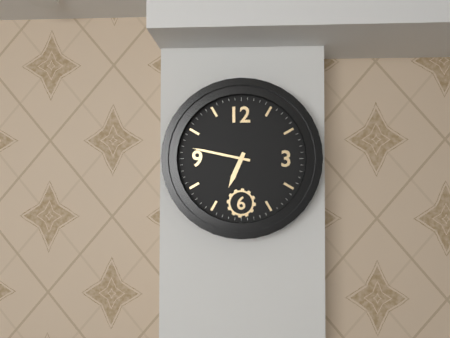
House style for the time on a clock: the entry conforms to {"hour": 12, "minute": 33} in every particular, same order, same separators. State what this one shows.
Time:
{"hour": 6, "minute": 47}
